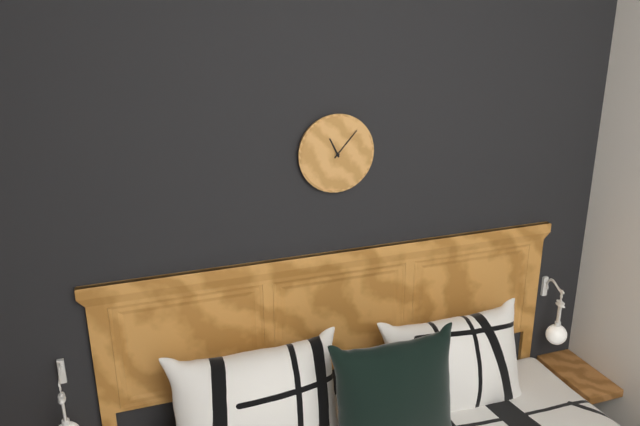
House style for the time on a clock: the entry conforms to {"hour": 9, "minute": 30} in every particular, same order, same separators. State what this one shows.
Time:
{"hour": 11, "minute": 7}
